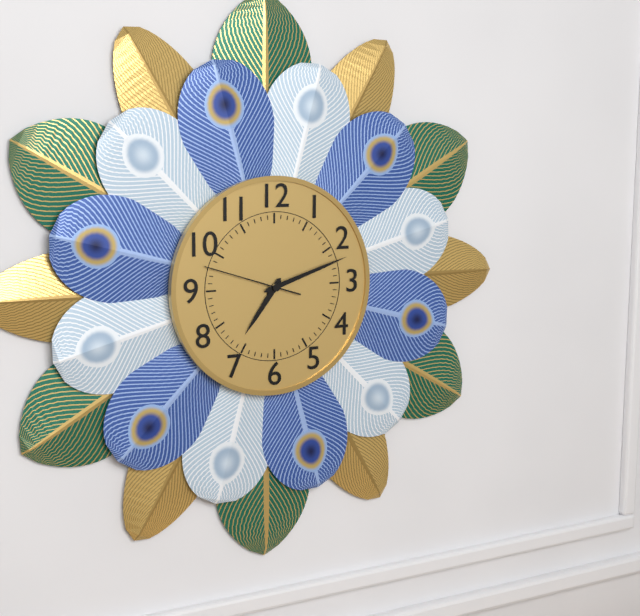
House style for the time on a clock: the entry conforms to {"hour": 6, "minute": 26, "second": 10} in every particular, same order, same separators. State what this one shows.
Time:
{"hour": 7, "minute": 12, "second": 48}
